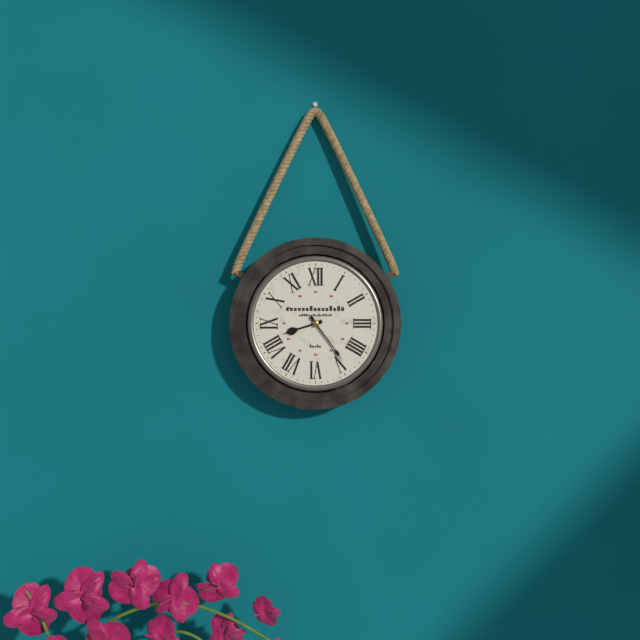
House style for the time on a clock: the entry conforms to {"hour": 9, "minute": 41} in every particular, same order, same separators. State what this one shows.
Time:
{"hour": 8, "minute": 24}
